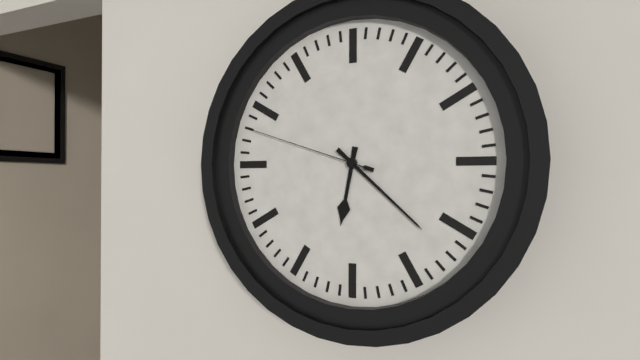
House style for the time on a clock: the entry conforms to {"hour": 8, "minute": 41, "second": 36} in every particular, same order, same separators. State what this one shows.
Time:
{"hour": 6, "minute": 22, "second": 48}
